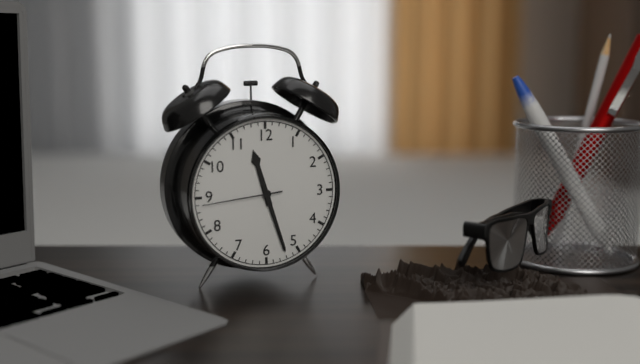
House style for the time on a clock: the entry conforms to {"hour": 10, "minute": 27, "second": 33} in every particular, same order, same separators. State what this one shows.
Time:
{"hour": 11, "minute": 27, "second": 44}
